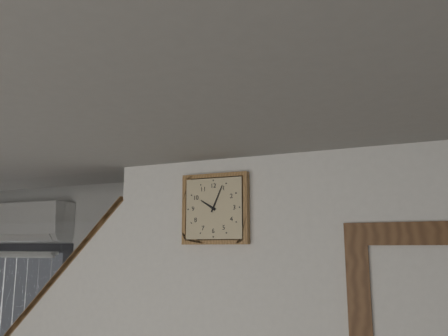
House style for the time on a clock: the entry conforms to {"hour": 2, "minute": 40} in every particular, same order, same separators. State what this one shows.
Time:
{"hour": 10, "minute": 4}
